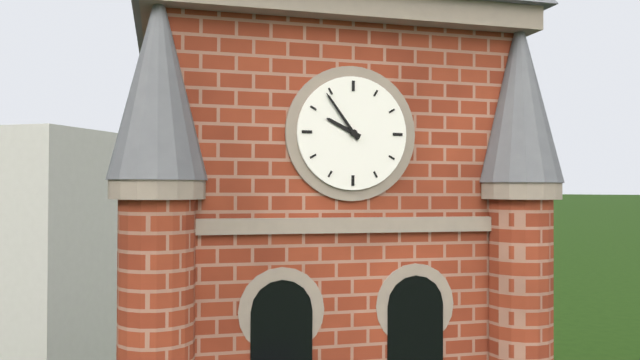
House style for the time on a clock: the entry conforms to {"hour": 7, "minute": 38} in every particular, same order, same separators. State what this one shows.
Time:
{"hour": 9, "minute": 54}
